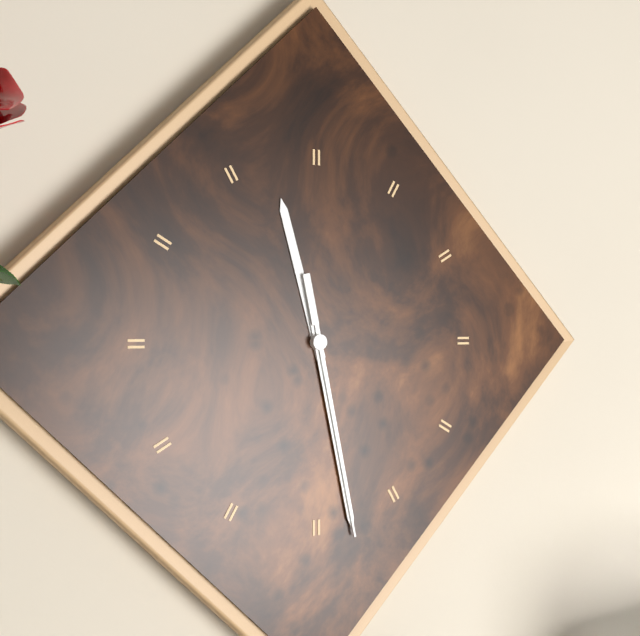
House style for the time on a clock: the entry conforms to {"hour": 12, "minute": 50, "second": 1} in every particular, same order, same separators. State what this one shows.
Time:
{"hour": 11, "minute": 28, "second": 28}
